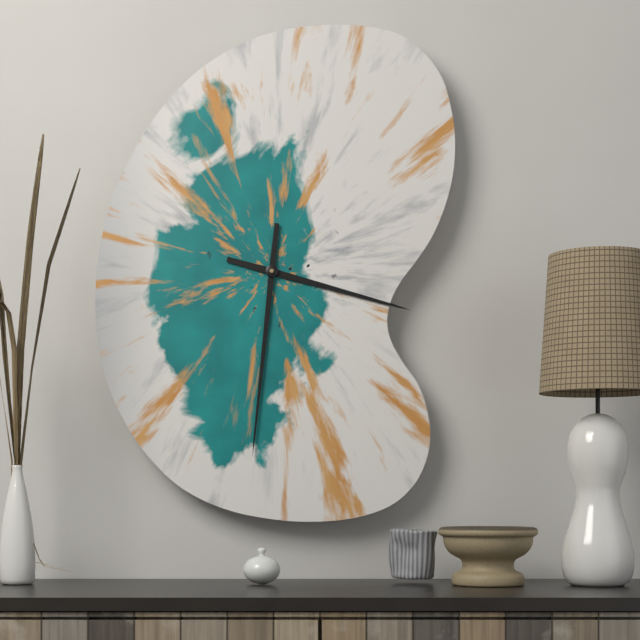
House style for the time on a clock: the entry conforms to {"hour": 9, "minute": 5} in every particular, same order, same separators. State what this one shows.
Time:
{"hour": 3, "minute": 31}
